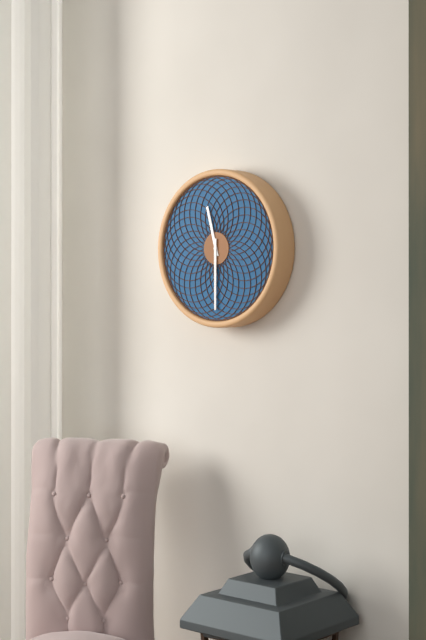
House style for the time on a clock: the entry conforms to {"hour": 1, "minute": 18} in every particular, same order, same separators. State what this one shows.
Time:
{"hour": 11, "minute": 30}
